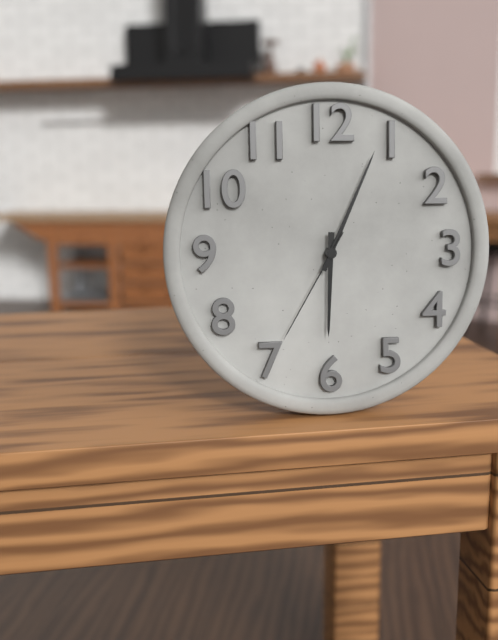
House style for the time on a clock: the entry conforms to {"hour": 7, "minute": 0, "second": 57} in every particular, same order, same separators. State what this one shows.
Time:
{"hour": 6, "minute": 4, "second": 35}
